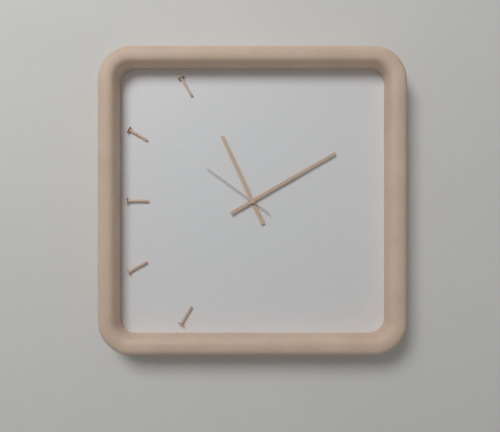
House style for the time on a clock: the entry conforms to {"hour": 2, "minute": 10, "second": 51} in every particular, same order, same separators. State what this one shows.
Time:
{"hour": 11, "minute": 10, "second": 51}
